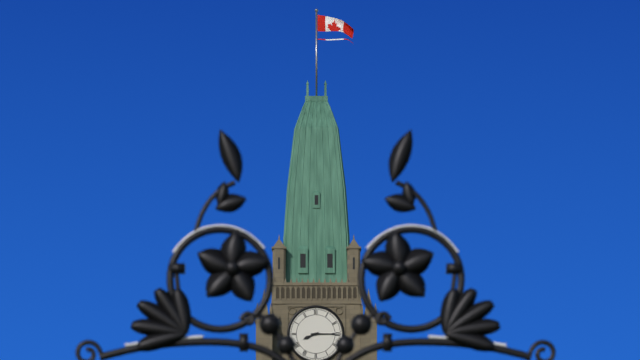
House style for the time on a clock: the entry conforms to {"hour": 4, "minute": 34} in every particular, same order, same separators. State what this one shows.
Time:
{"hour": 8, "minute": 15}
